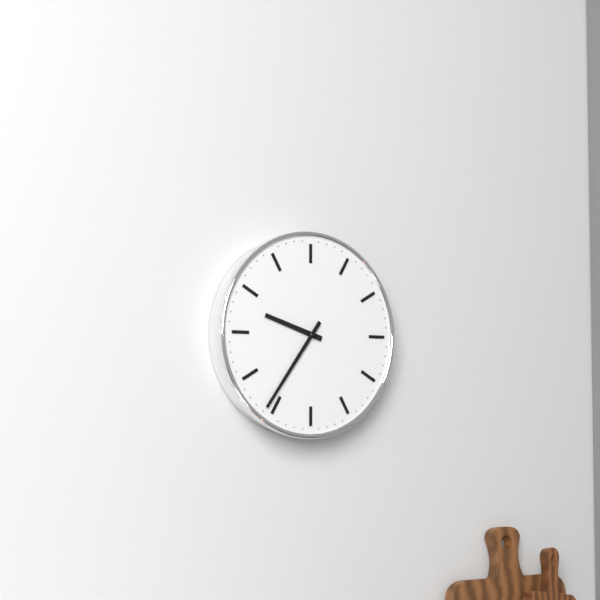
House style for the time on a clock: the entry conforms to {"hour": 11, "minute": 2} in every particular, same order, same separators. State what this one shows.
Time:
{"hour": 9, "minute": 36}
